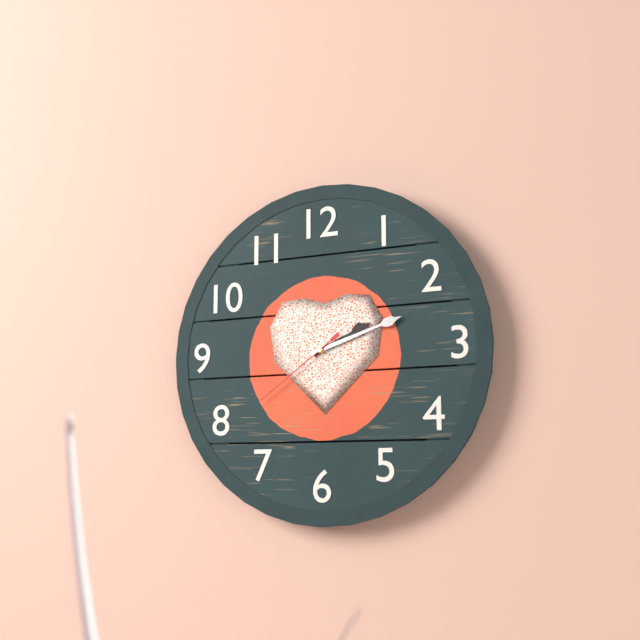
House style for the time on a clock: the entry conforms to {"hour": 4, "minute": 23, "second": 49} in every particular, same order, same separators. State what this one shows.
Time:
{"hour": 2, "minute": 12, "second": 39}
